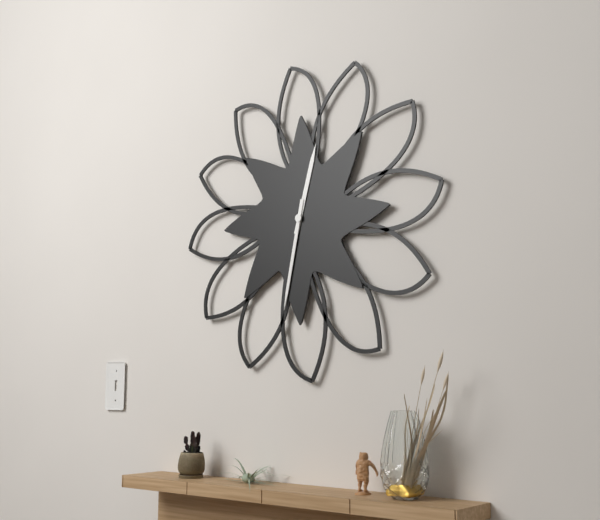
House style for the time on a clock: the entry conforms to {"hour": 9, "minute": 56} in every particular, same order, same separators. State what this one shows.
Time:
{"hour": 12, "minute": 32}
